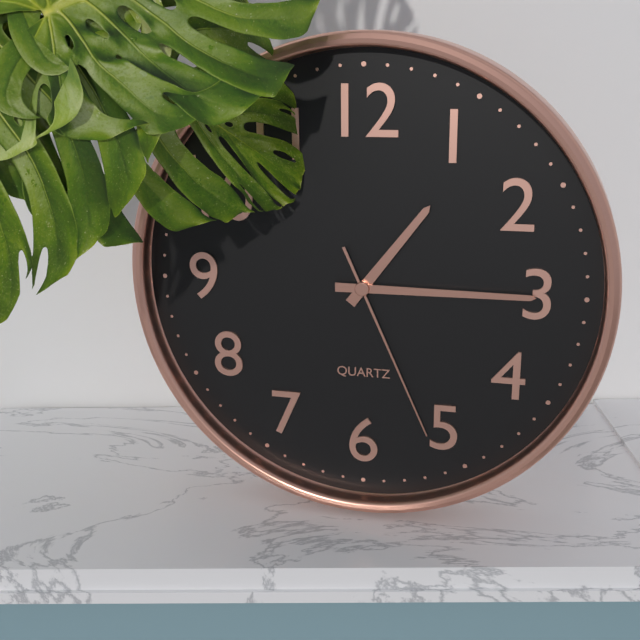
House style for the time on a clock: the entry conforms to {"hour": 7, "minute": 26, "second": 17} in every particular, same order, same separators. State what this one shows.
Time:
{"hour": 1, "minute": 15, "second": 26}
